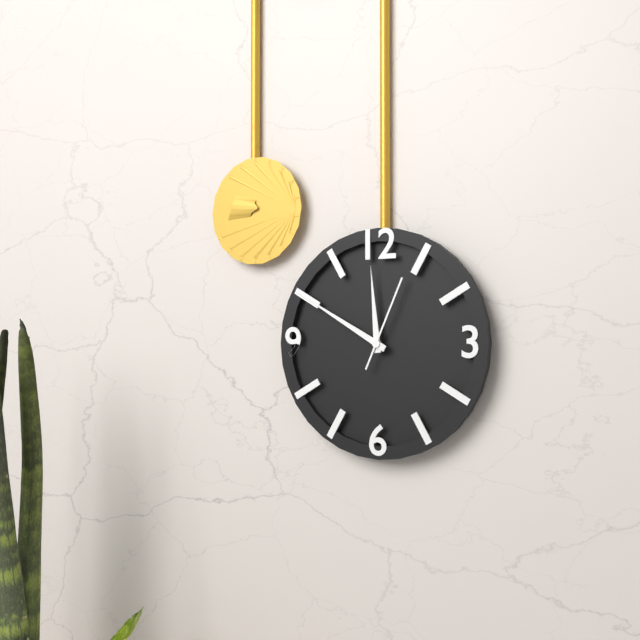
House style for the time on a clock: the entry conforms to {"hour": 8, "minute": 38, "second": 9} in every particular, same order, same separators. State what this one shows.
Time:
{"hour": 11, "minute": 50, "second": 4}
